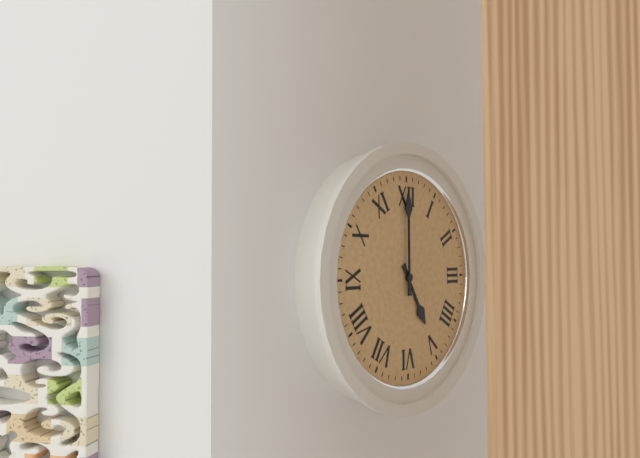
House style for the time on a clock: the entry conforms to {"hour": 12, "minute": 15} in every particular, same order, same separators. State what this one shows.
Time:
{"hour": 5, "minute": 0}
